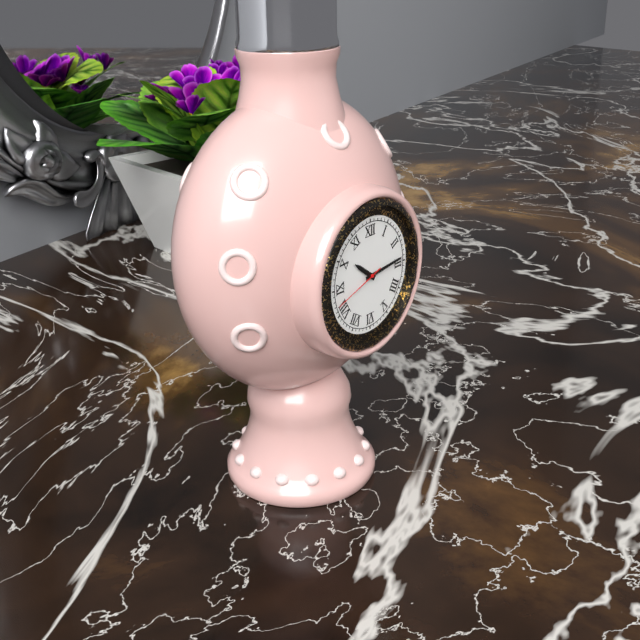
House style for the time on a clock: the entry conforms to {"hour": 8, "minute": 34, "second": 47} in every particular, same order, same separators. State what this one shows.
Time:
{"hour": 10, "minute": 14, "second": 42}
